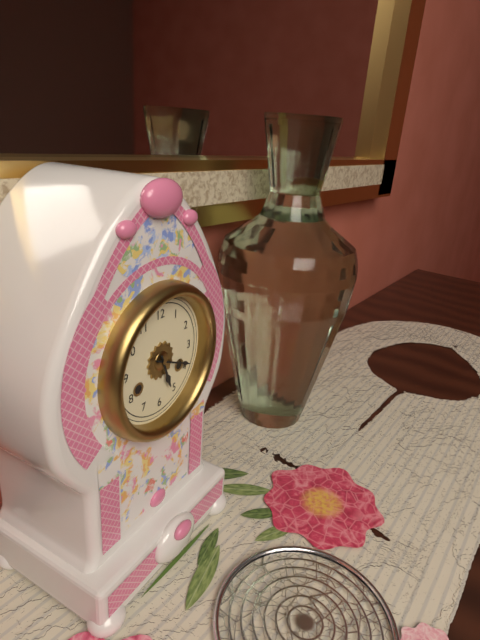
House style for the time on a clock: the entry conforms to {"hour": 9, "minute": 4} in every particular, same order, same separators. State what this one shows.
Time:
{"hour": 5, "minute": 19}
